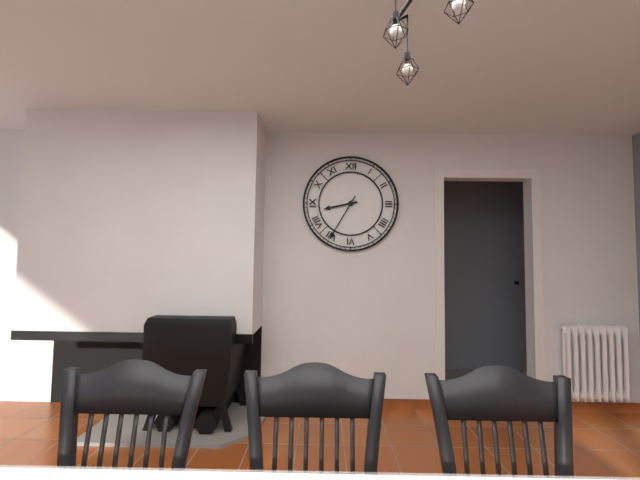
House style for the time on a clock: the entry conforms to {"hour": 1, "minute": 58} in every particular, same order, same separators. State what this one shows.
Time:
{"hour": 8, "minute": 35}
